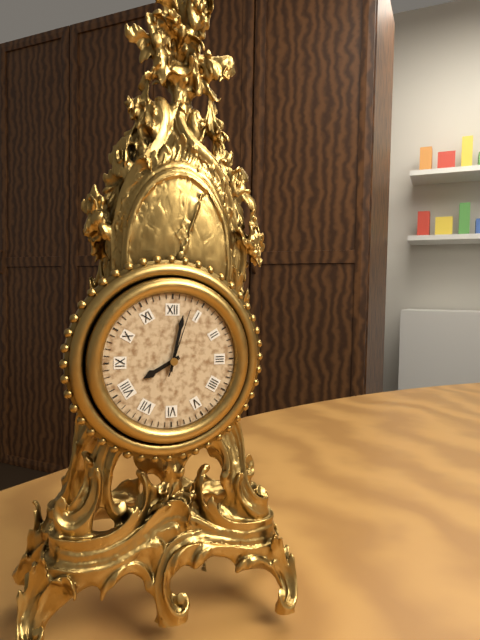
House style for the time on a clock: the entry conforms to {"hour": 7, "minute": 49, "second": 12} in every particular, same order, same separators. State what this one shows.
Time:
{"hour": 8, "minute": 2, "second": 3}
